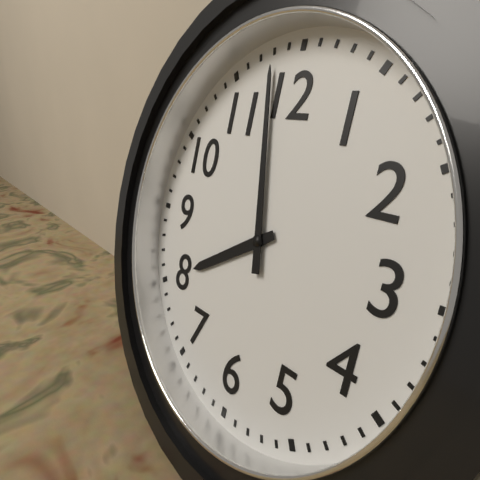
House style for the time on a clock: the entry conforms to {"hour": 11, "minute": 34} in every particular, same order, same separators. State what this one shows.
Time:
{"hour": 7, "minute": 58}
